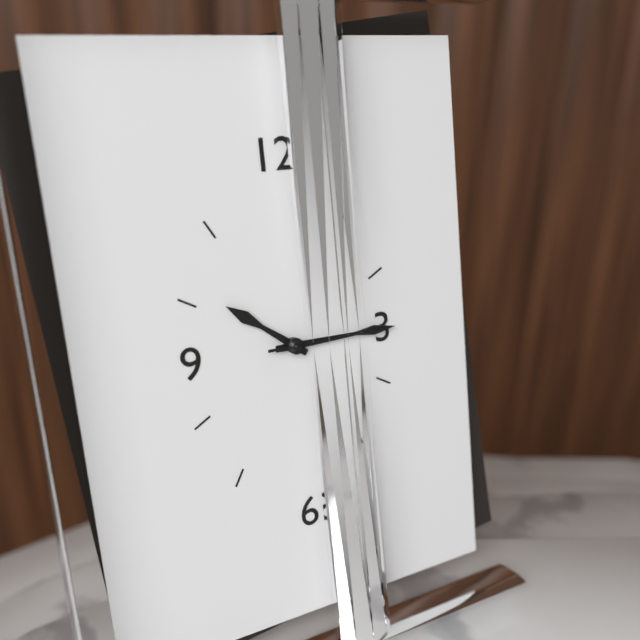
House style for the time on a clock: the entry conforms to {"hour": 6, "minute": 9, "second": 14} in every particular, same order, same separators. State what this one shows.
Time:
{"hour": 10, "minute": 15, "second": 15}
